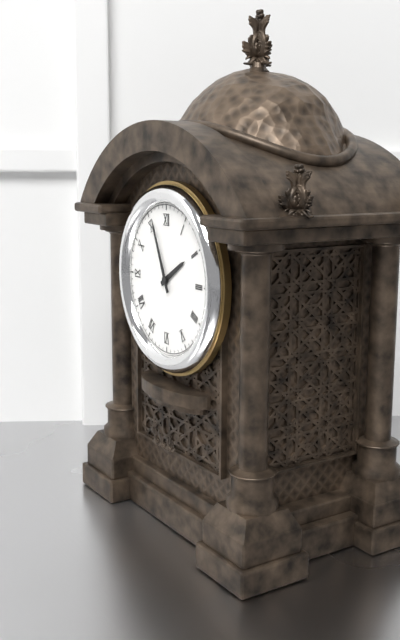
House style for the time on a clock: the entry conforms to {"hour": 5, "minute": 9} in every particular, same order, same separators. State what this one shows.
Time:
{"hour": 1, "minute": 56}
